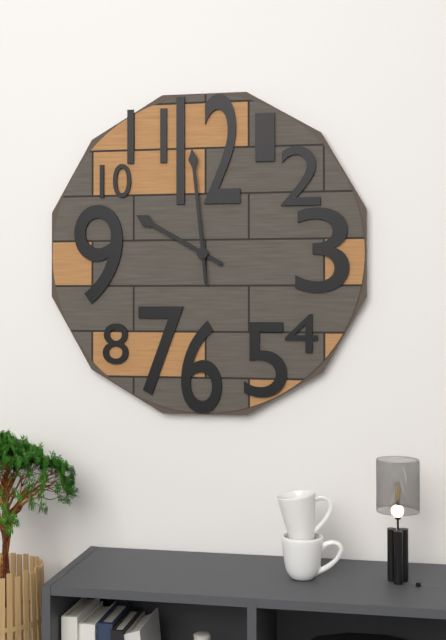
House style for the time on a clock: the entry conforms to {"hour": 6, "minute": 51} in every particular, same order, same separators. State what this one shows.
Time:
{"hour": 9, "minute": 59}
